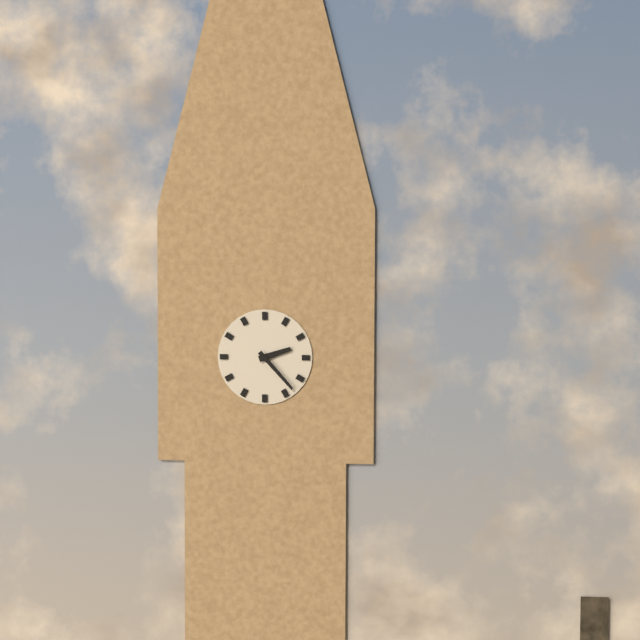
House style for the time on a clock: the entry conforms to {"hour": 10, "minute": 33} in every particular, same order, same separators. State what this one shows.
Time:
{"hour": 2, "minute": 23}
